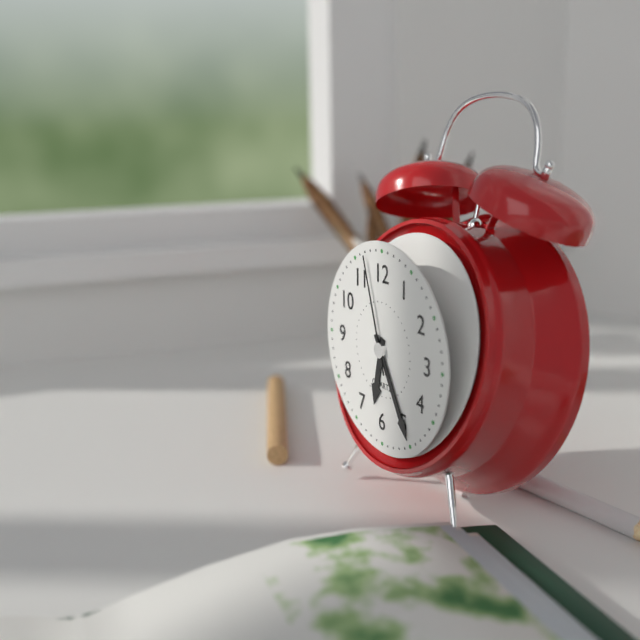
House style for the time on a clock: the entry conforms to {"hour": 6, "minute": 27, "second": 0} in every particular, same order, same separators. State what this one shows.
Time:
{"hour": 6, "minute": 25, "second": 57}
